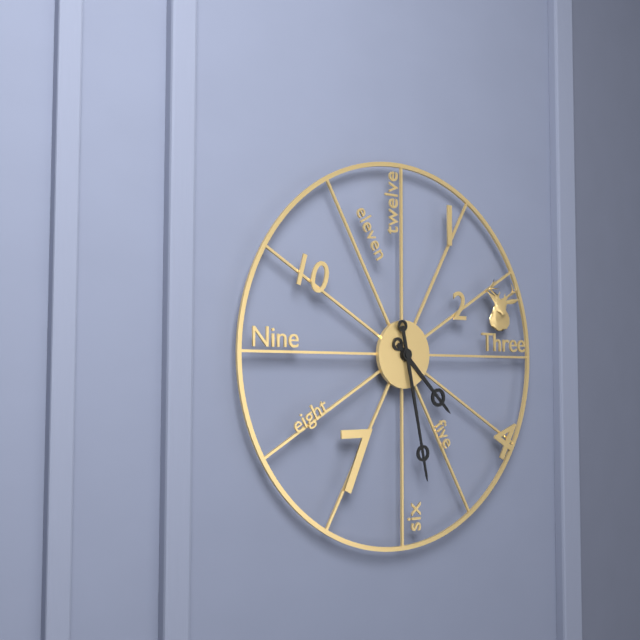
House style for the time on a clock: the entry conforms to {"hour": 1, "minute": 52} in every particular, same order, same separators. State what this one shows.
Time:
{"hour": 4, "minute": 28}
